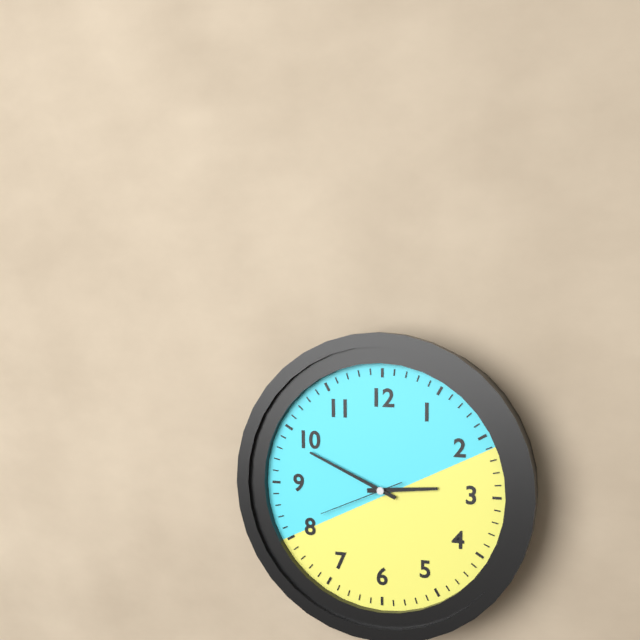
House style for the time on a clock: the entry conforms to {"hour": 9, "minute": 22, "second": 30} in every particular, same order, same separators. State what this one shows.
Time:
{"hour": 2, "minute": 49, "second": 41}
